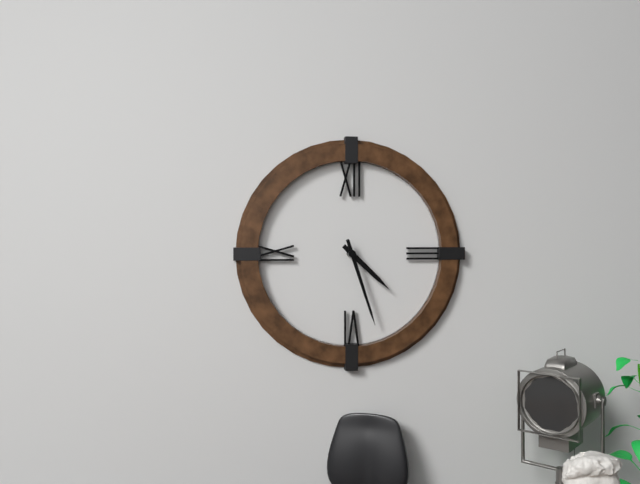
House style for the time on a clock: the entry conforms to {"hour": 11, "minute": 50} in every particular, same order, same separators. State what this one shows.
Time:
{"hour": 4, "minute": 27}
